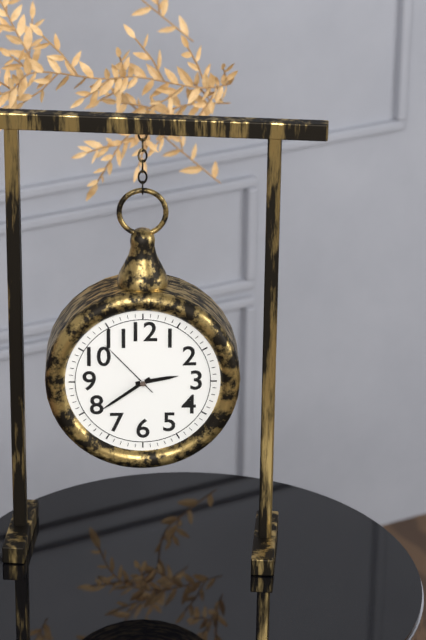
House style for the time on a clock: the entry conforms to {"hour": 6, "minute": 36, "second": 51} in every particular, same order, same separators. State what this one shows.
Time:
{"hour": 2, "minute": 39, "second": 53}
